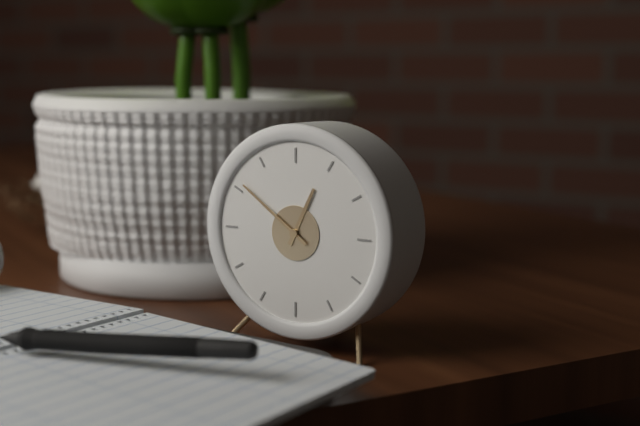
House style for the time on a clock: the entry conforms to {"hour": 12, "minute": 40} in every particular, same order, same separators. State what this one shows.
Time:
{"hour": 12, "minute": 51}
